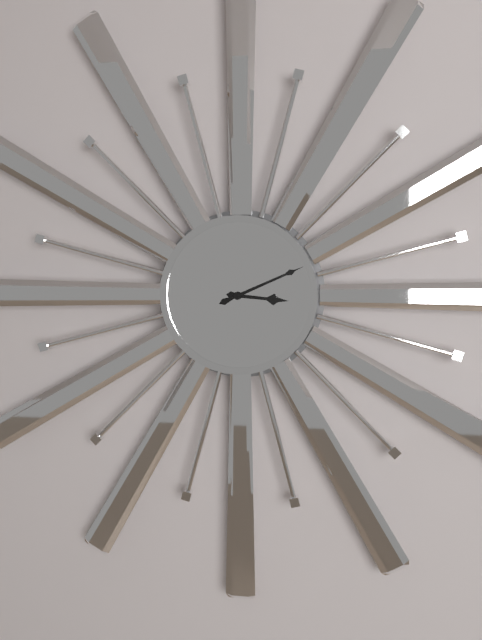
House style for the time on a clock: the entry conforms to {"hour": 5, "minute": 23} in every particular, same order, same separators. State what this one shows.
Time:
{"hour": 3, "minute": 11}
